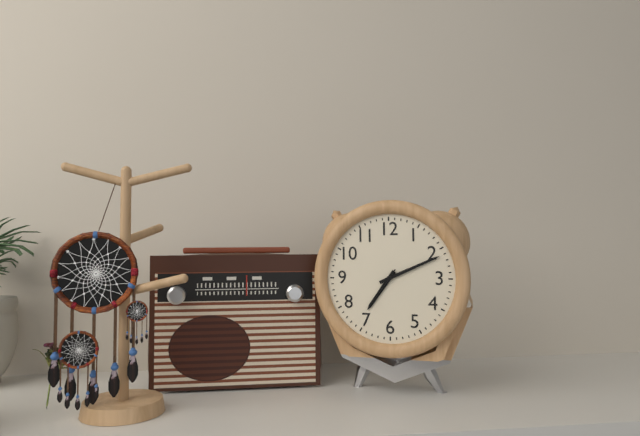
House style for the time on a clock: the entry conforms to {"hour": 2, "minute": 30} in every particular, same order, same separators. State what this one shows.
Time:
{"hour": 7, "minute": 11}
